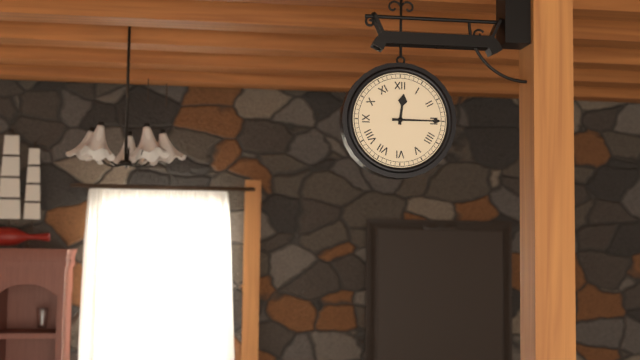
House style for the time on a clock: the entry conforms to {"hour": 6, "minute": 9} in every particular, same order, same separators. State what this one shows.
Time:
{"hour": 12, "minute": 15}
